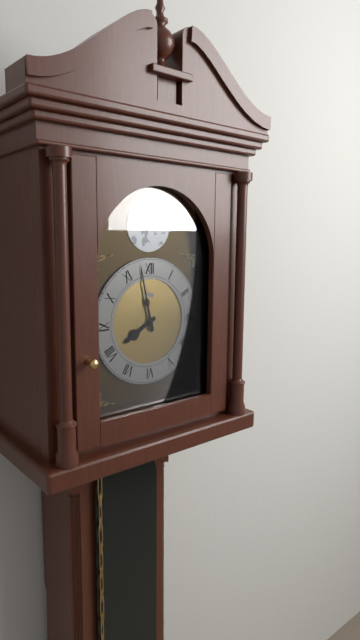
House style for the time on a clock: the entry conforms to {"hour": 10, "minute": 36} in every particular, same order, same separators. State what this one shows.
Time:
{"hour": 7, "minute": 58}
